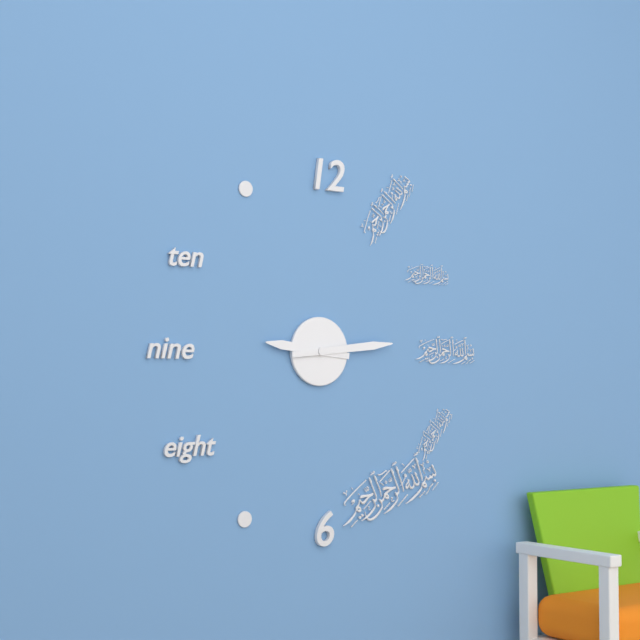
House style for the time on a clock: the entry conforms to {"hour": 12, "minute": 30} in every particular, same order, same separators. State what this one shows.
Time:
{"hour": 9, "minute": 14}
